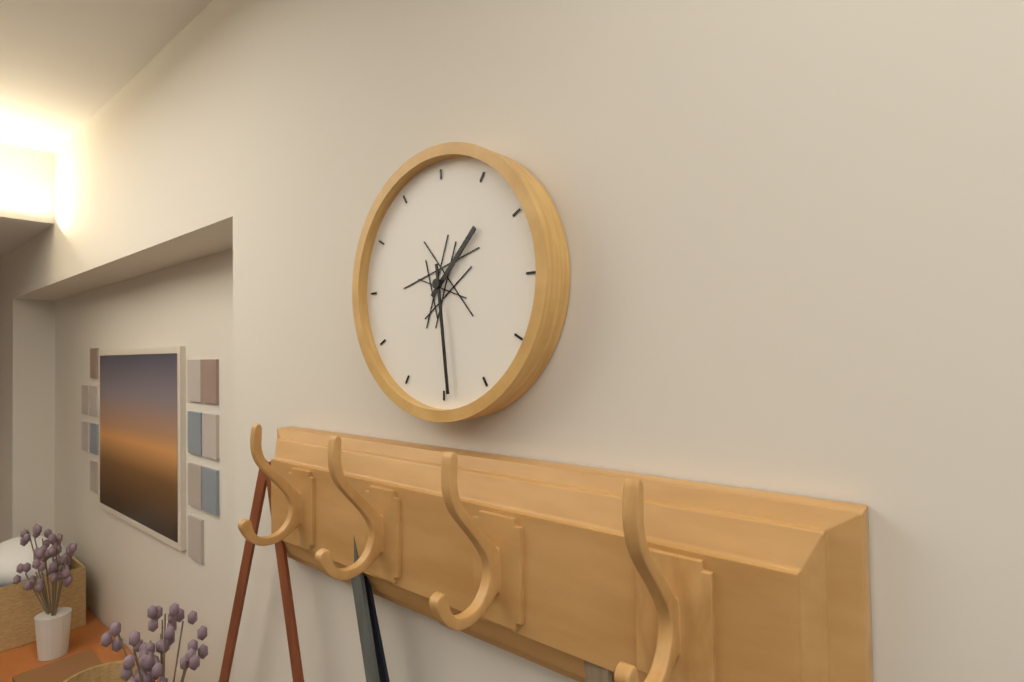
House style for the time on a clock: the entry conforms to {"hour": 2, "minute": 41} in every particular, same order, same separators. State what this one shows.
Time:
{"hour": 1, "minute": 29}
